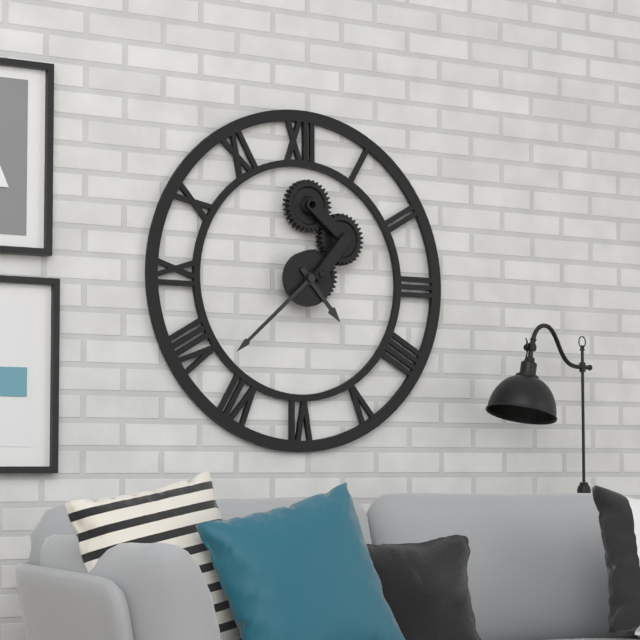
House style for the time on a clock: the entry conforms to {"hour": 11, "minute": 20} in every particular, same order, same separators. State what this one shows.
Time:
{"hour": 4, "minute": 38}
